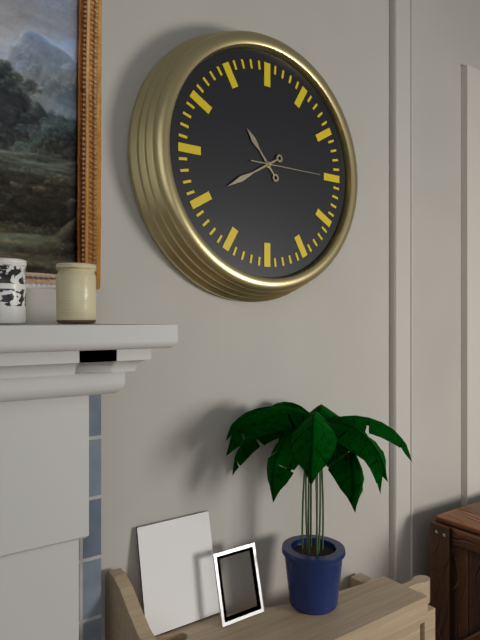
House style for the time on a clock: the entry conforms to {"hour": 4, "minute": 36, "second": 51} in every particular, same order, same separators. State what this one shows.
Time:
{"hour": 10, "minute": 40, "second": 15}
